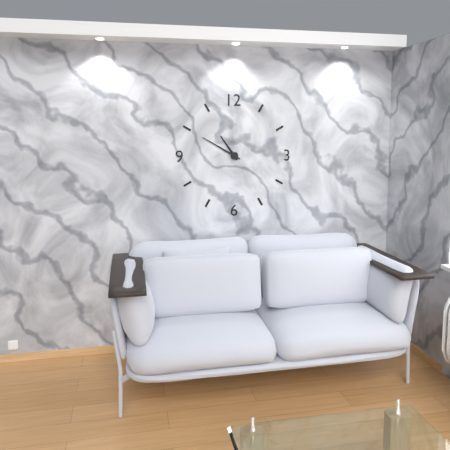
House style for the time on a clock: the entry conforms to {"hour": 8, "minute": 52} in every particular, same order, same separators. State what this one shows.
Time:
{"hour": 10, "minute": 50}
